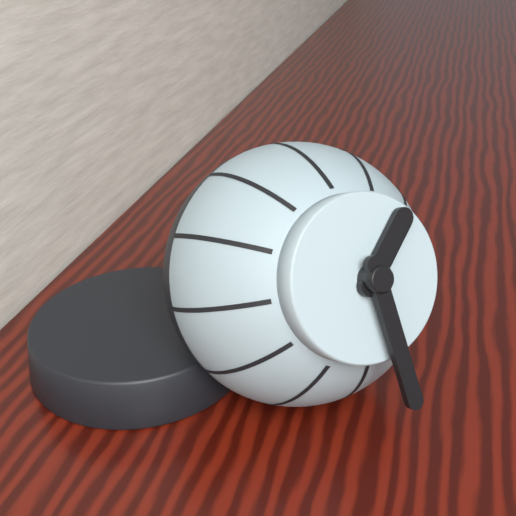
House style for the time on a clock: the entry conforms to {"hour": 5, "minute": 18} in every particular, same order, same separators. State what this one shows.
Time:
{"hour": 1, "minute": 29}
